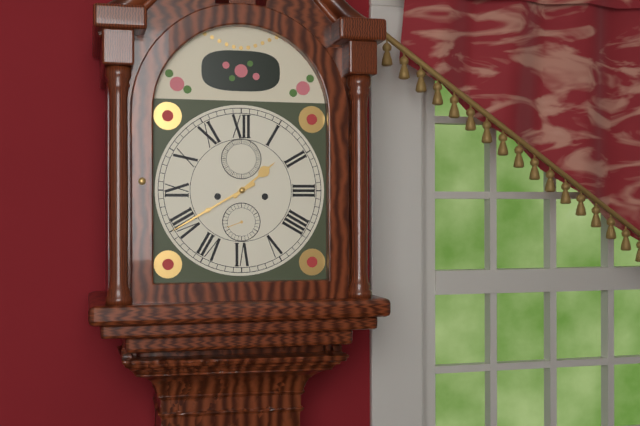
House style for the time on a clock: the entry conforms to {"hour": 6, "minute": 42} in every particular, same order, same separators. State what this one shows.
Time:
{"hour": 1, "minute": 40}
